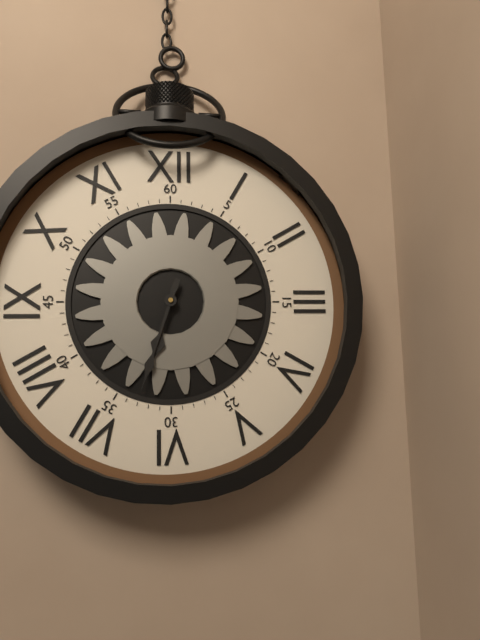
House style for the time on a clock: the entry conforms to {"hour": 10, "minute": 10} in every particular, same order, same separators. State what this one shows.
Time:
{"hour": 6, "minute": 33}
